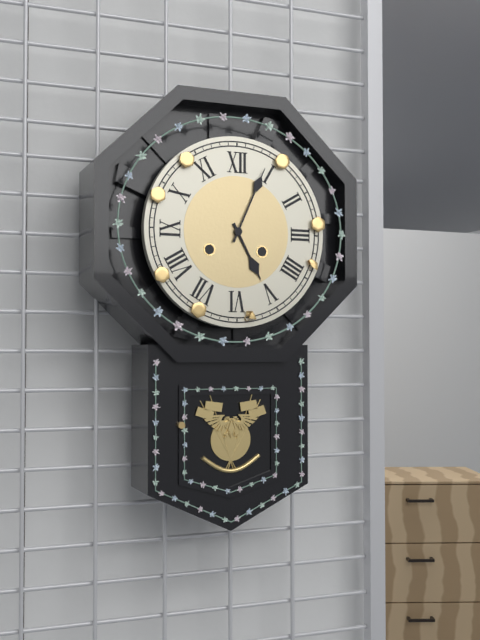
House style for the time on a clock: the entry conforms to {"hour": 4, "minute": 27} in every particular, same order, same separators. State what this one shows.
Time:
{"hour": 5, "minute": 4}
